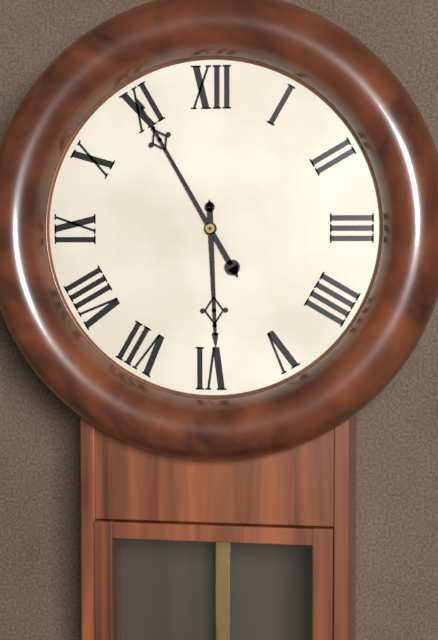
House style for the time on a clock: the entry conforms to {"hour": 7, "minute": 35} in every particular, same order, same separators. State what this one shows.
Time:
{"hour": 5, "minute": 55}
